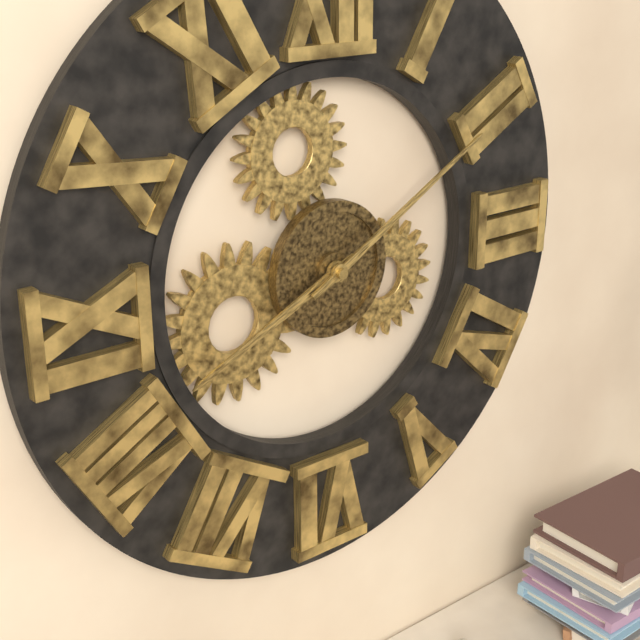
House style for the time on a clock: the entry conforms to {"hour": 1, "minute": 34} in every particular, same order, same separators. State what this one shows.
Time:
{"hour": 8, "minute": 10}
